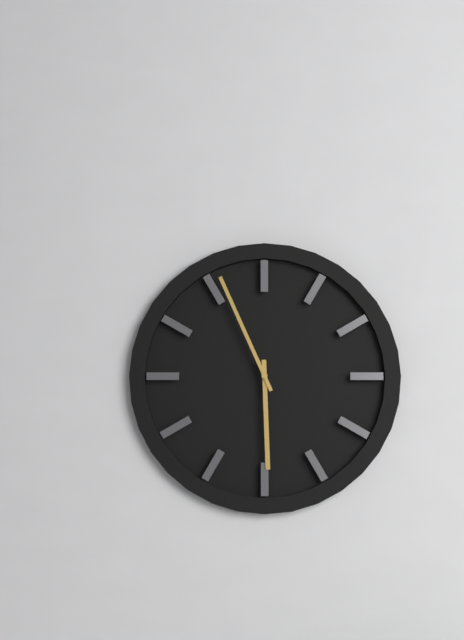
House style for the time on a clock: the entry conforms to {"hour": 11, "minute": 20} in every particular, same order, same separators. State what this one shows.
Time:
{"hour": 5, "minute": 56}
